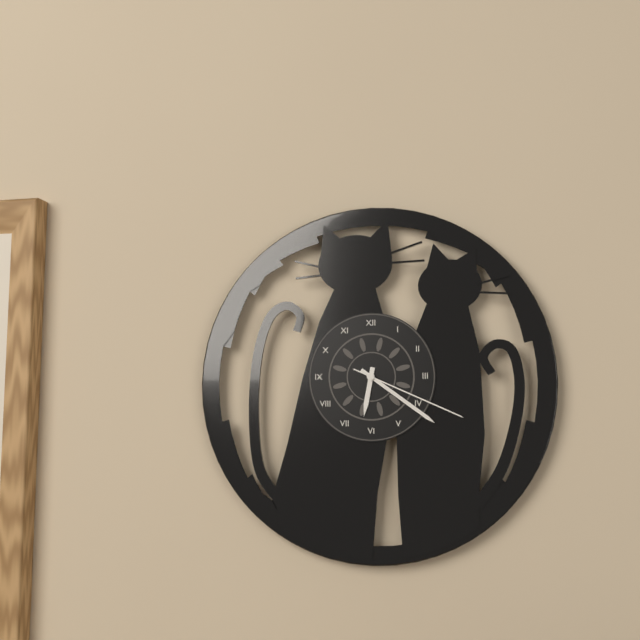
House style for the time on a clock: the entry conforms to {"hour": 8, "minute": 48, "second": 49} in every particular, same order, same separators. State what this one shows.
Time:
{"hour": 6, "minute": 21, "second": 19}
